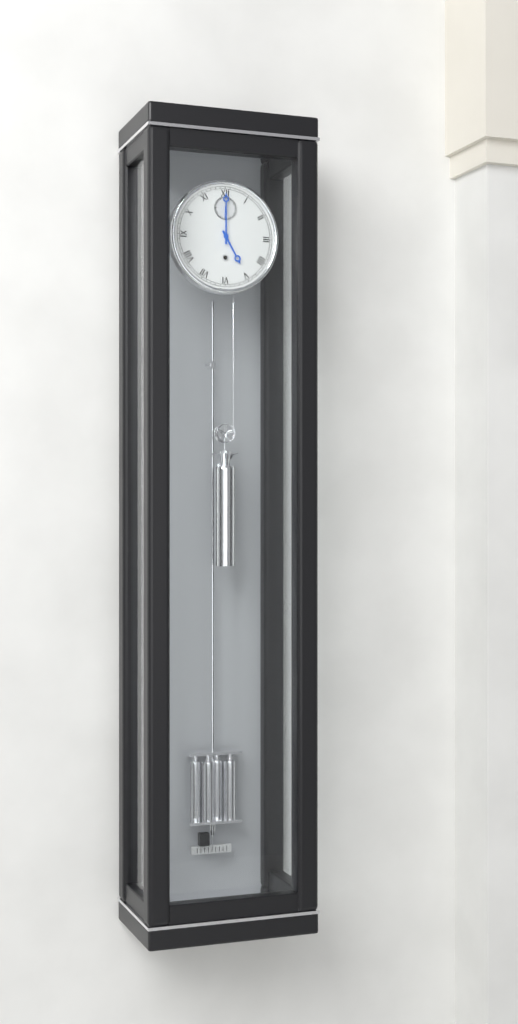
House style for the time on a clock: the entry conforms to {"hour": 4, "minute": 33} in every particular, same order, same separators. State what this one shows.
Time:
{"hour": 5, "minute": 0}
